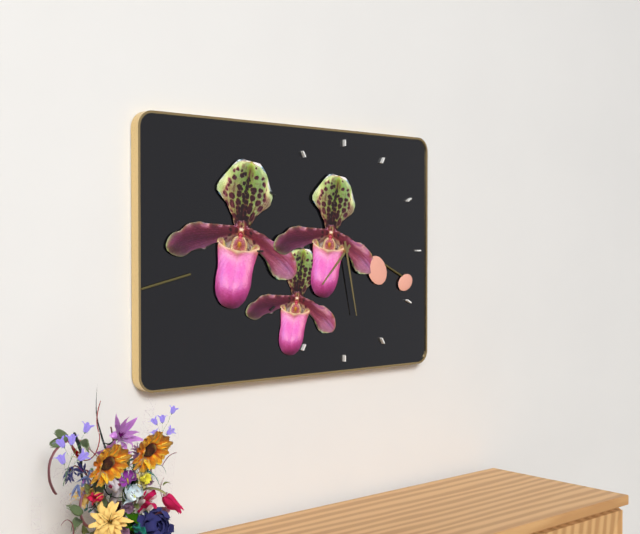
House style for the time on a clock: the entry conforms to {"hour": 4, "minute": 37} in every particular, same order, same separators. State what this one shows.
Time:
{"hour": 7, "minute": 28}
